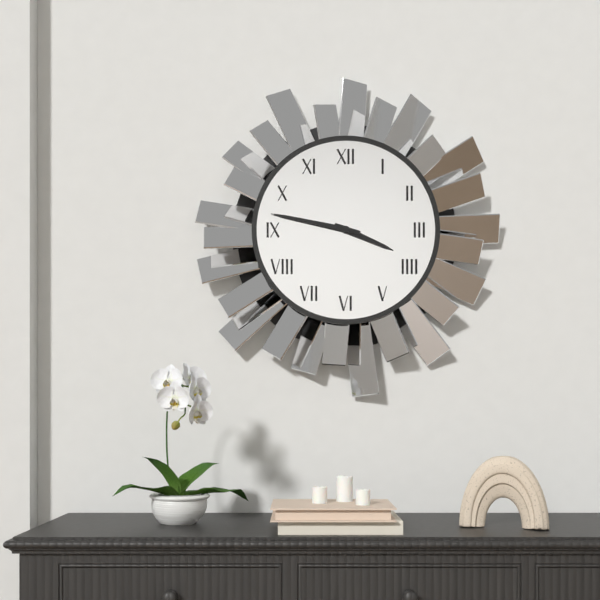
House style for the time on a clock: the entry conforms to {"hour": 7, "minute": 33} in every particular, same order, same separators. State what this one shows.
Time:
{"hour": 3, "minute": 47}
